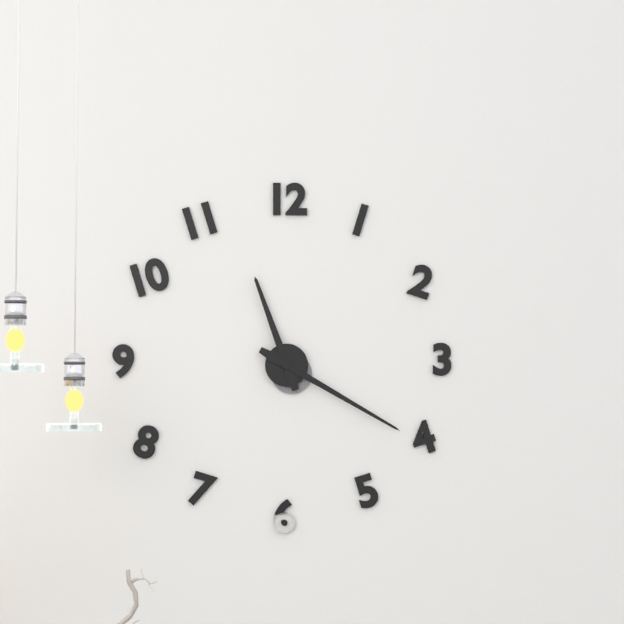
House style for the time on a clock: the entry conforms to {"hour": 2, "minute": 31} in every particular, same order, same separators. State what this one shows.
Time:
{"hour": 11, "minute": 20}
